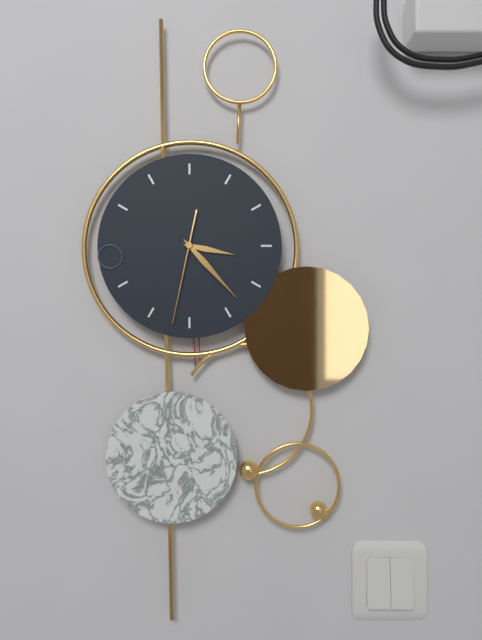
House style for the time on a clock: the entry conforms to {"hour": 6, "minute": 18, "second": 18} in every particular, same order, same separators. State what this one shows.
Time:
{"hour": 3, "minute": 23, "second": 32}
